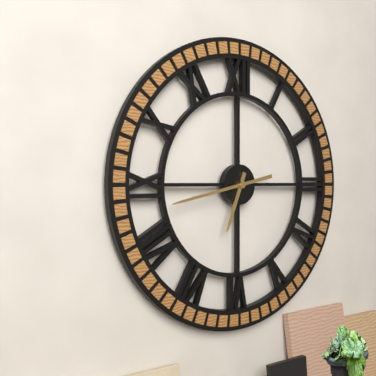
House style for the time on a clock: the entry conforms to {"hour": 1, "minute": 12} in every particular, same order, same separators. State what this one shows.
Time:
{"hour": 6, "minute": 43}
